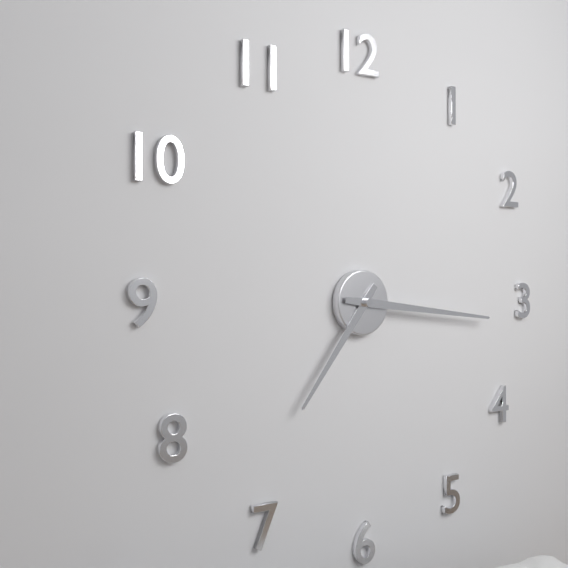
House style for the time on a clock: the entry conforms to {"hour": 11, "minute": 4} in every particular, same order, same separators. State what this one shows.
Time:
{"hour": 7, "minute": 16}
